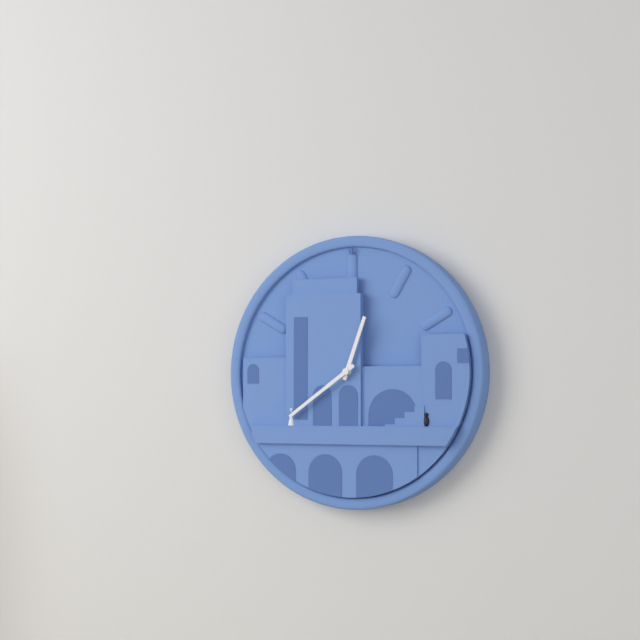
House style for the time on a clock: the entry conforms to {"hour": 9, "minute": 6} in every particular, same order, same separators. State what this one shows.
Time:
{"hour": 12, "minute": 39}
